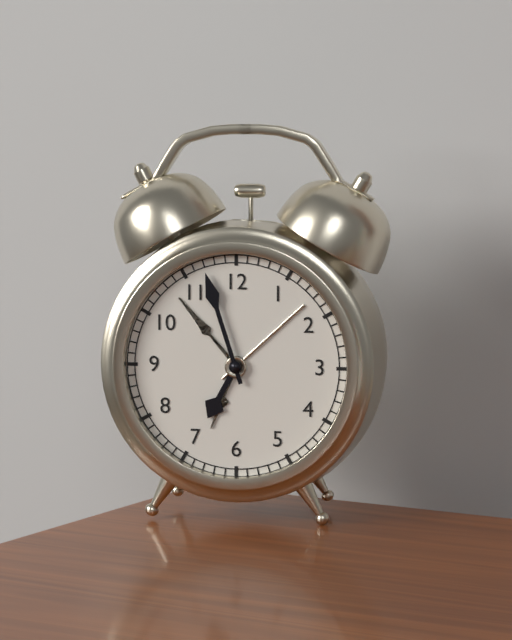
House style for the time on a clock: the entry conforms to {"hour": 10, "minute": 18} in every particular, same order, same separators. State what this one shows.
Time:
{"hour": 6, "minute": 57}
